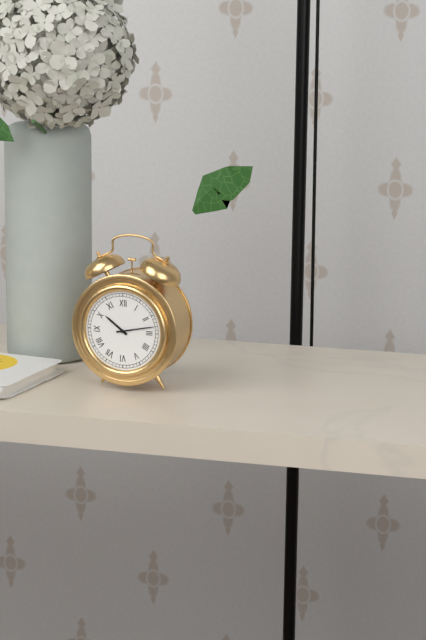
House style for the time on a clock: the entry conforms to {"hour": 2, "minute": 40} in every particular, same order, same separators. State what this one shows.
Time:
{"hour": 10, "minute": 13}
